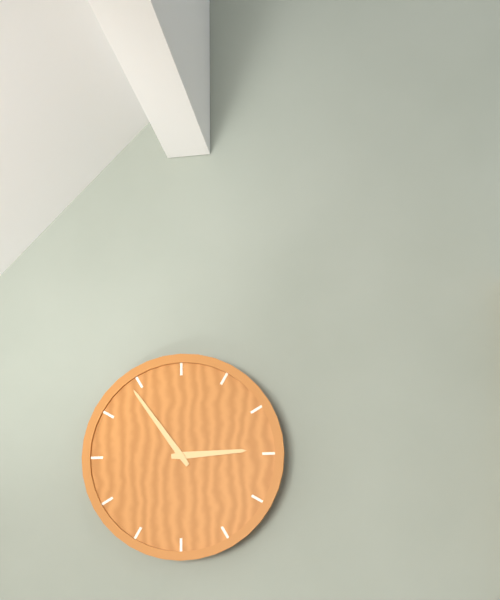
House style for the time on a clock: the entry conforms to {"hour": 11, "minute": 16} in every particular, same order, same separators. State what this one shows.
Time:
{"hour": 2, "minute": 54}
